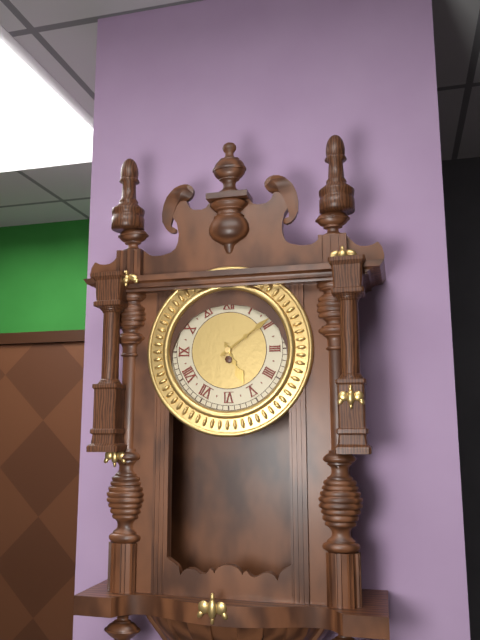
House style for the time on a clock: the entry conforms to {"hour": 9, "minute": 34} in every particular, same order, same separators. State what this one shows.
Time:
{"hour": 5, "minute": 9}
